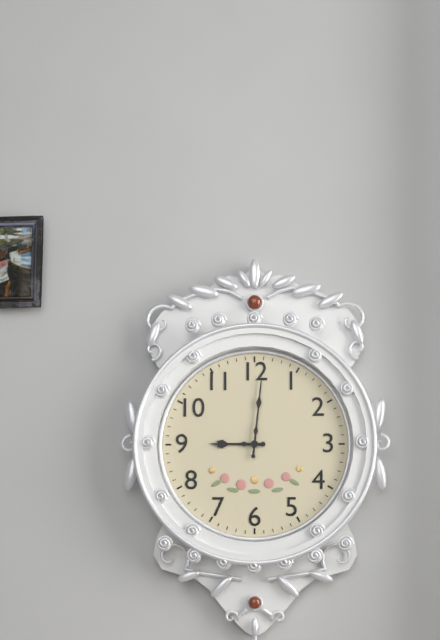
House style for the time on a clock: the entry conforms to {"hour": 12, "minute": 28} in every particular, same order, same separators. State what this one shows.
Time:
{"hour": 9, "minute": 1}
